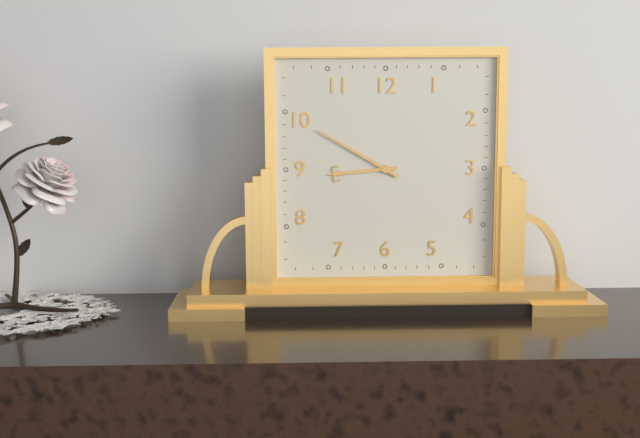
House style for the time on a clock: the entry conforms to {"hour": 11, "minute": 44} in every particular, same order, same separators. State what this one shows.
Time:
{"hour": 8, "minute": 50}
